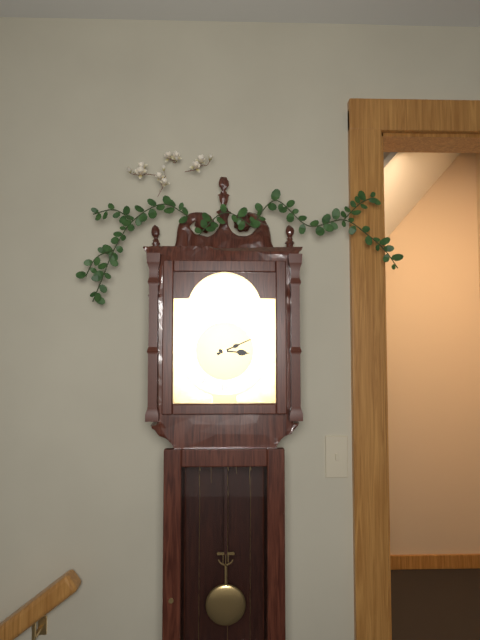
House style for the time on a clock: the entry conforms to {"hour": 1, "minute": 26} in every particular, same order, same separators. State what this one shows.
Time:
{"hour": 3, "minute": 11}
